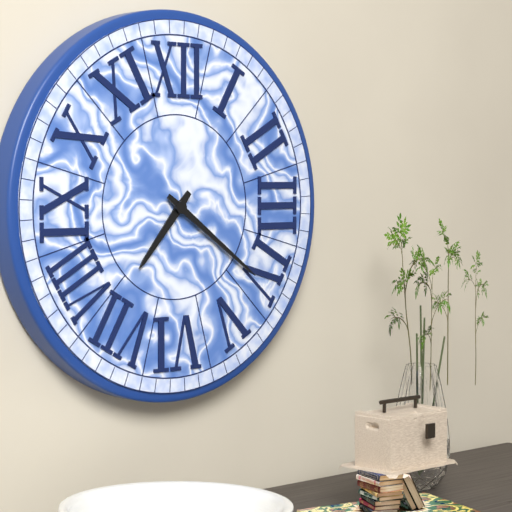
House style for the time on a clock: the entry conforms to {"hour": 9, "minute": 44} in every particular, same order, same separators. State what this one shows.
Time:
{"hour": 7, "minute": 21}
